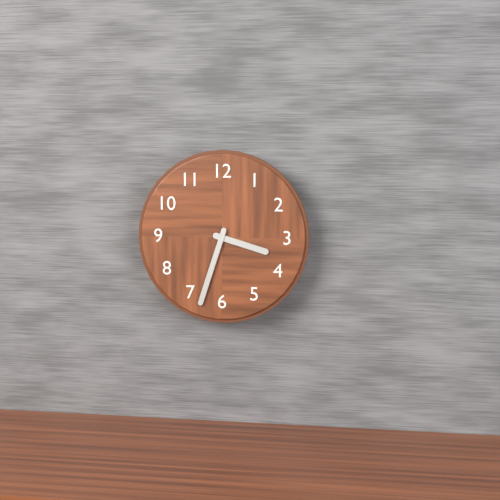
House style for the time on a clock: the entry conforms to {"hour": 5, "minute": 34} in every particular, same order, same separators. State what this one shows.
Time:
{"hour": 3, "minute": 33}
